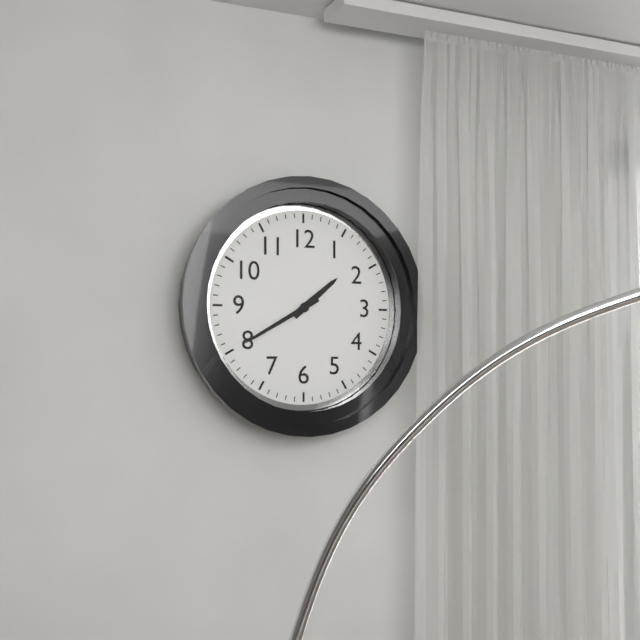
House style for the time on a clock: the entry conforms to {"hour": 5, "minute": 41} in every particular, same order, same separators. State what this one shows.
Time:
{"hour": 1, "minute": 40}
